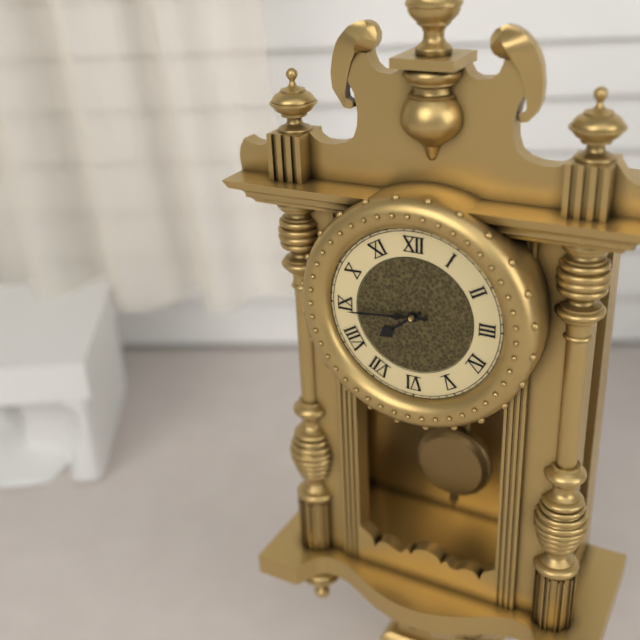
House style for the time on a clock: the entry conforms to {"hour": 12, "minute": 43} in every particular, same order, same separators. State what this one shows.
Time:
{"hour": 7, "minute": 44}
